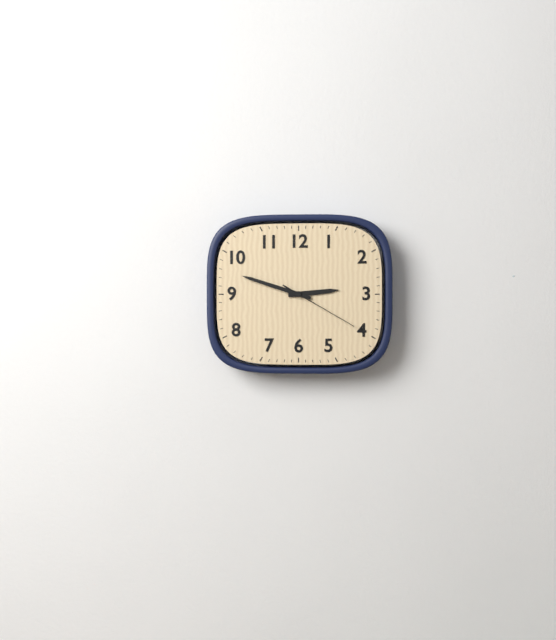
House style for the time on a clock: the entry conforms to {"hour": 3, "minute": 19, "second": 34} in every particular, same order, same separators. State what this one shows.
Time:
{"hour": 2, "minute": 48, "second": 20}
